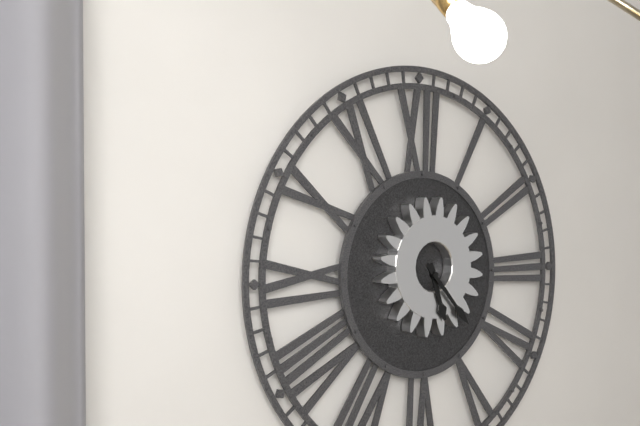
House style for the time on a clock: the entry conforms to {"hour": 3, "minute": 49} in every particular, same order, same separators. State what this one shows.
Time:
{"hour": 5, "minute": 23}
